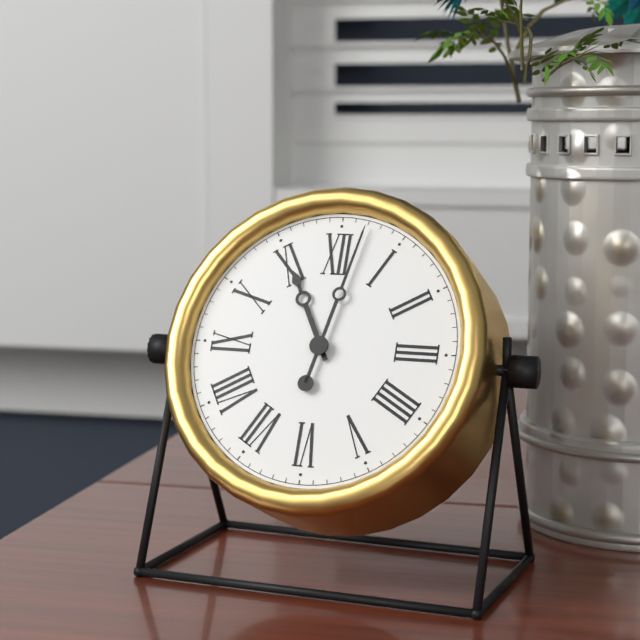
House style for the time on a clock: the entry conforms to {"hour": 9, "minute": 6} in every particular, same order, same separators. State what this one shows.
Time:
{"hour": 11, "minute": 2}
